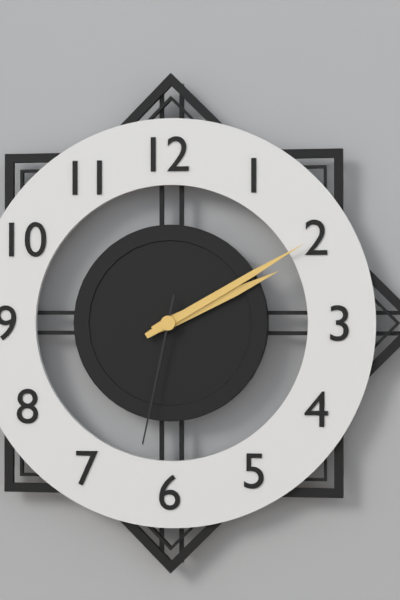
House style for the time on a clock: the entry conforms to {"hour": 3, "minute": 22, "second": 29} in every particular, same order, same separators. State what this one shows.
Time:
{"hour": 2, "minute": 10, "second": 32}
